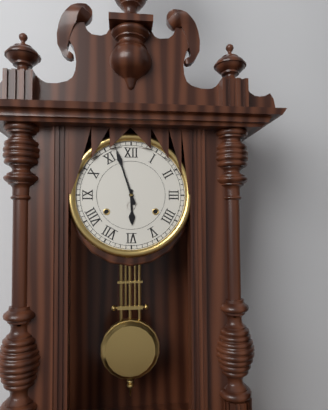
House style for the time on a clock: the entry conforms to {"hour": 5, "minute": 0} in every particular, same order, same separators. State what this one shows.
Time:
{"hour": 5, "minute": 57}
